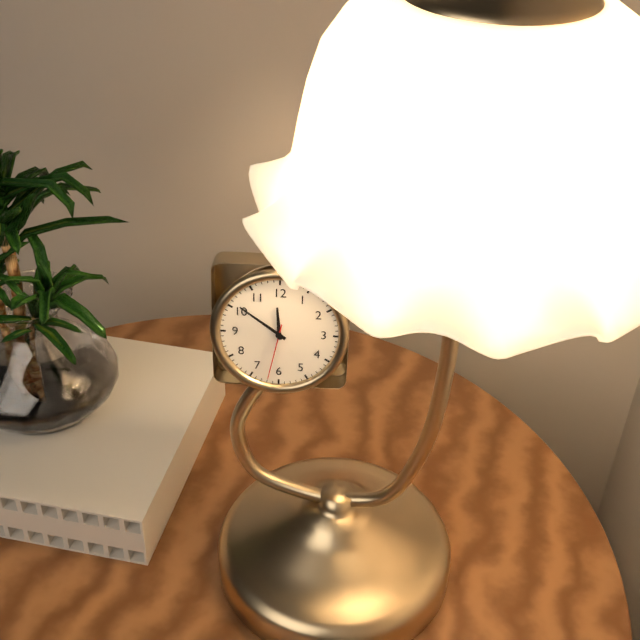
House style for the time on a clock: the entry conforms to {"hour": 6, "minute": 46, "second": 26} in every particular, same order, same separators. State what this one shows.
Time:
{"hour": 11, "minute": 51, "second": 32}
